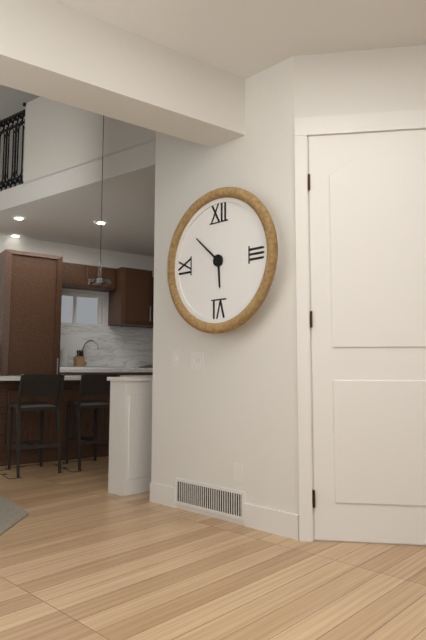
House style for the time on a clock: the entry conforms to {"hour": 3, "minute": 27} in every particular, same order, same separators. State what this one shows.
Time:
{"hour": 5, "minute": 52}
